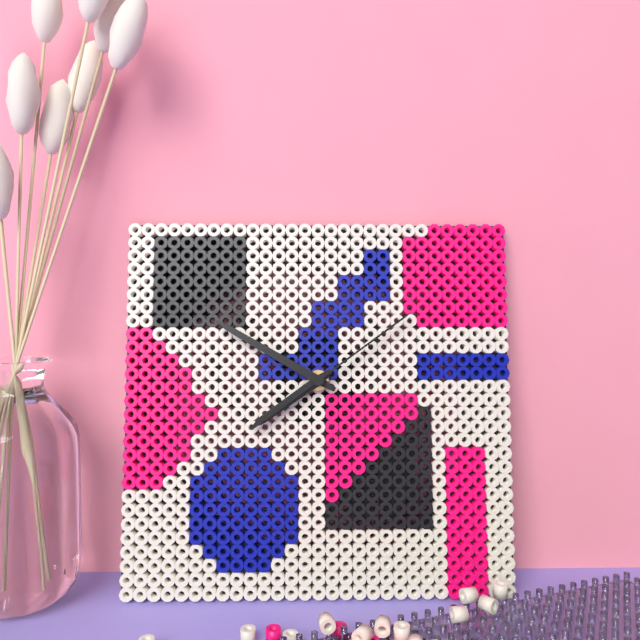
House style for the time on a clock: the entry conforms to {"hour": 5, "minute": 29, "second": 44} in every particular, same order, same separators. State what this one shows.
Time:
{"hour": 7, "minute": 50, "second": 9}
